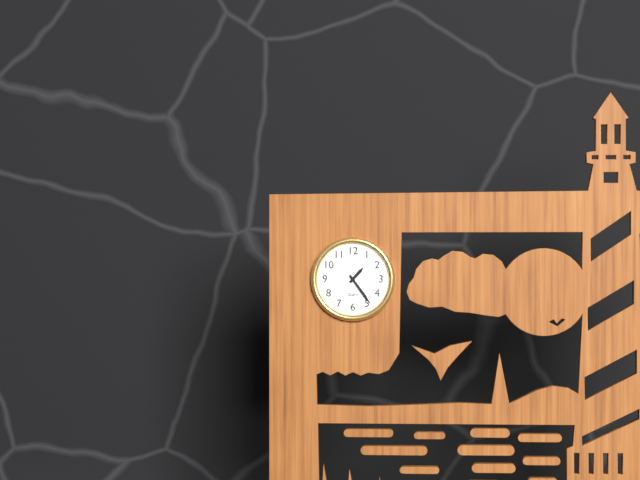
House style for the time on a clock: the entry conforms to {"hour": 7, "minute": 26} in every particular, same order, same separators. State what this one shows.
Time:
{"hour": 1, "minute": 24}
